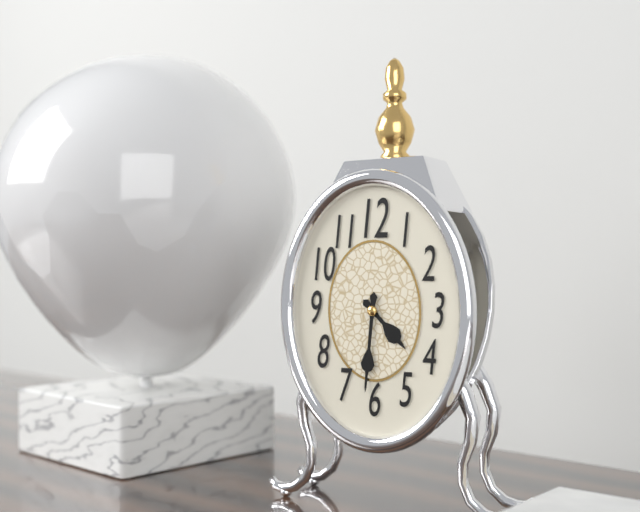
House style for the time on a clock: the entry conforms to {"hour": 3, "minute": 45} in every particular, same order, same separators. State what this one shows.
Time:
{"hour": 4, "minute": 31}
